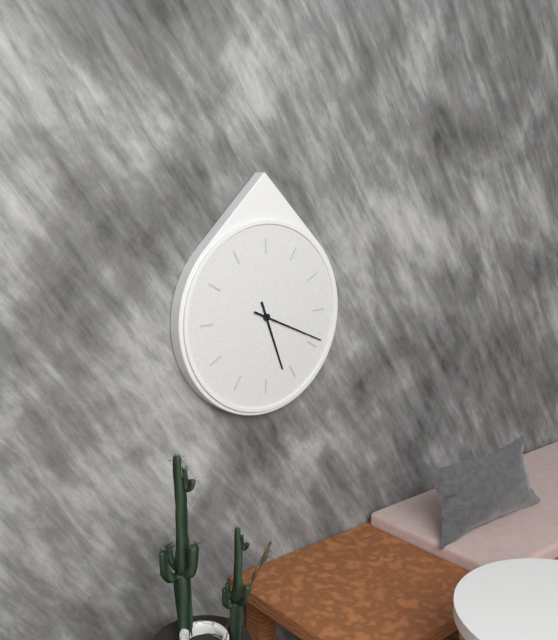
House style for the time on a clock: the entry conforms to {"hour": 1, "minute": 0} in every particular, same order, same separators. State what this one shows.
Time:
{"hour": 5, "minute": 19}
